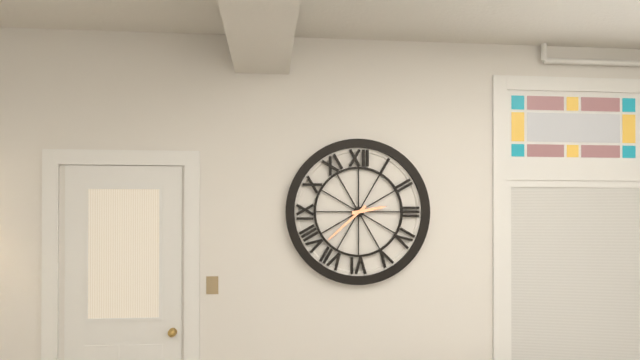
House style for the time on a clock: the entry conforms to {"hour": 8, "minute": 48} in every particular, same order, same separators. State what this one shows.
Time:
{"hour": 2, "minute": 38}
